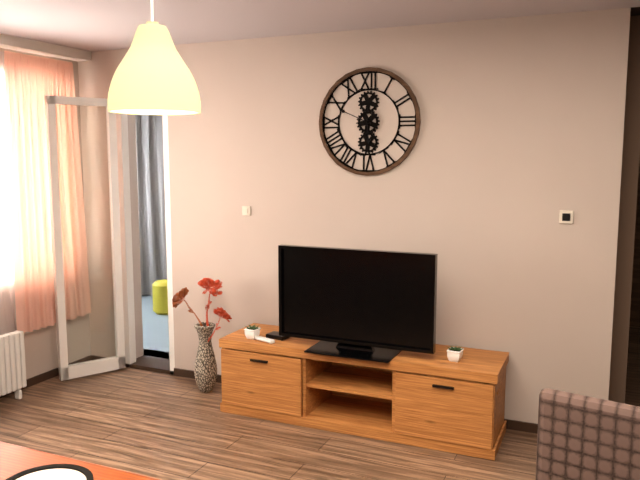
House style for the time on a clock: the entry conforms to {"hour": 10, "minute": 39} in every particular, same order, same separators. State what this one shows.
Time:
{"hour": 5, "minute": 49}
